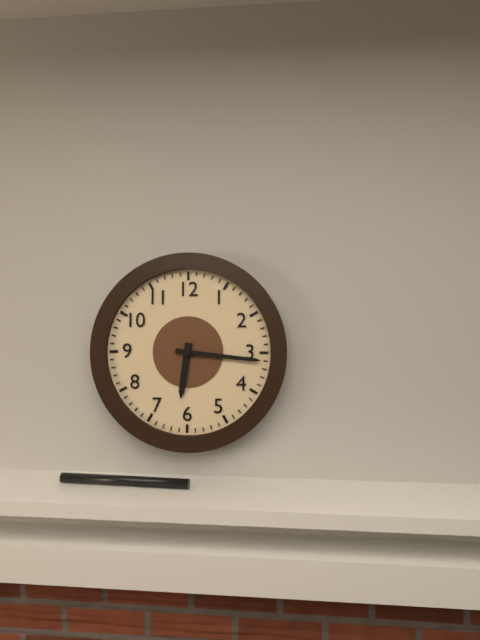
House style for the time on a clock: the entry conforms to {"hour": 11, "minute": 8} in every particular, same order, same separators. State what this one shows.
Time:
{"hour": 6, "minute": 16}
